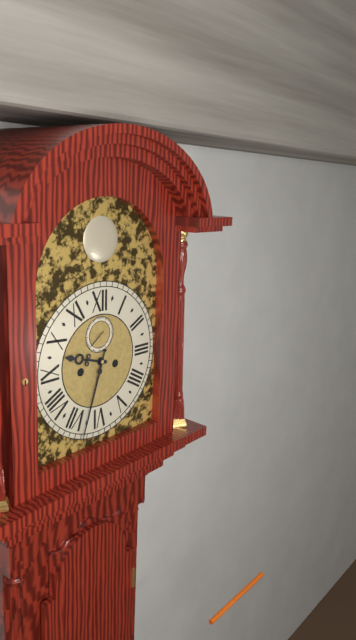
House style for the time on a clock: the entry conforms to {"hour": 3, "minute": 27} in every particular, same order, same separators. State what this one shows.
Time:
{"hour": 9, "minute": 33}
